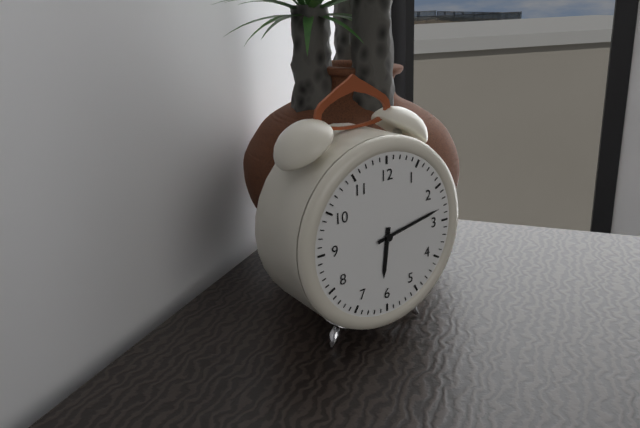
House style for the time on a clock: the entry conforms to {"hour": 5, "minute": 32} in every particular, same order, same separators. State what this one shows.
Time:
{"hour": 6, "minute": 13}
